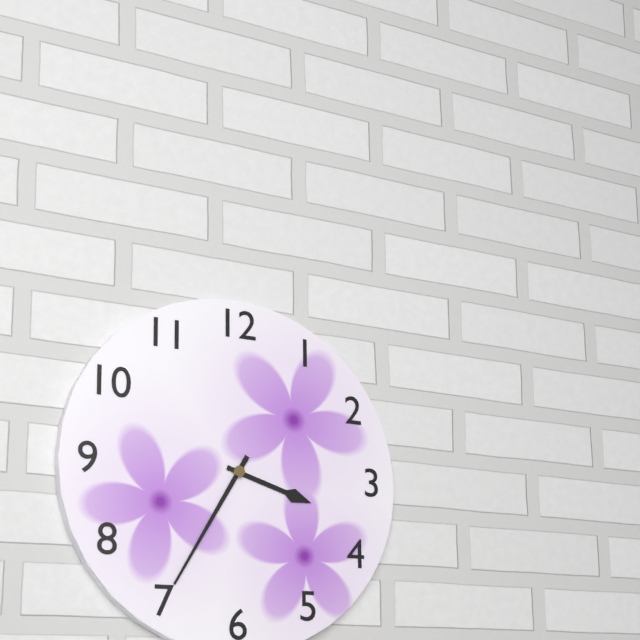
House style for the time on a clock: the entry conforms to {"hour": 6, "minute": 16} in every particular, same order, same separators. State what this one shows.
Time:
{"hour": 3, "minute": 35}
